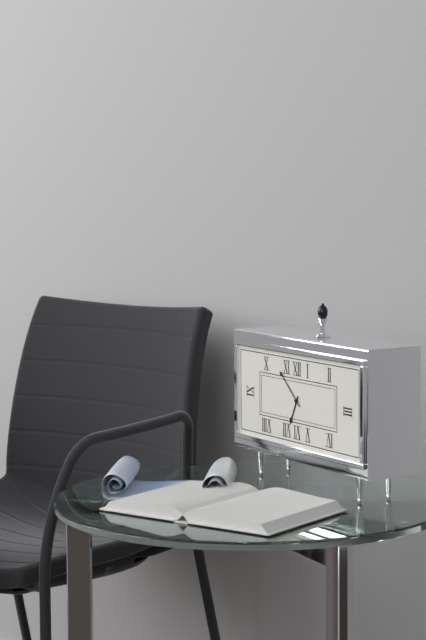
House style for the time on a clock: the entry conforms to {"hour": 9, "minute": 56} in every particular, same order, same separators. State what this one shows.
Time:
{"hour": 6, "minute": 52}
